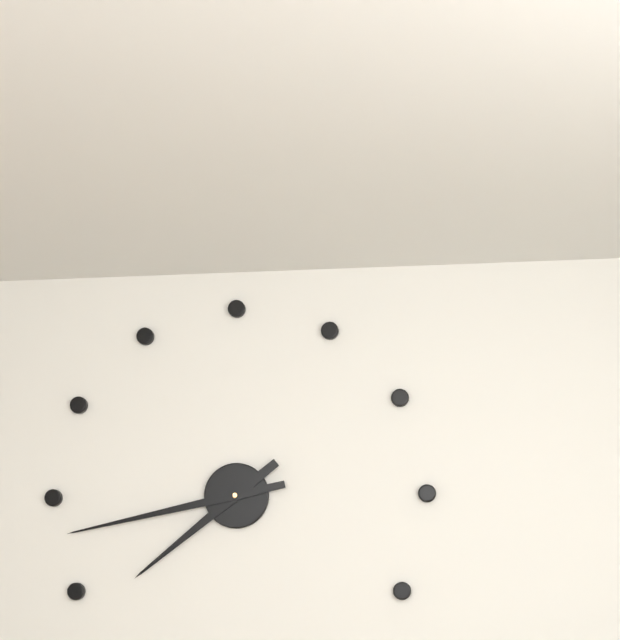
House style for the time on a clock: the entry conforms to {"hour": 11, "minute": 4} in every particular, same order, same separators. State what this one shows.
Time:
{"hour": 7, "minute": 43}
